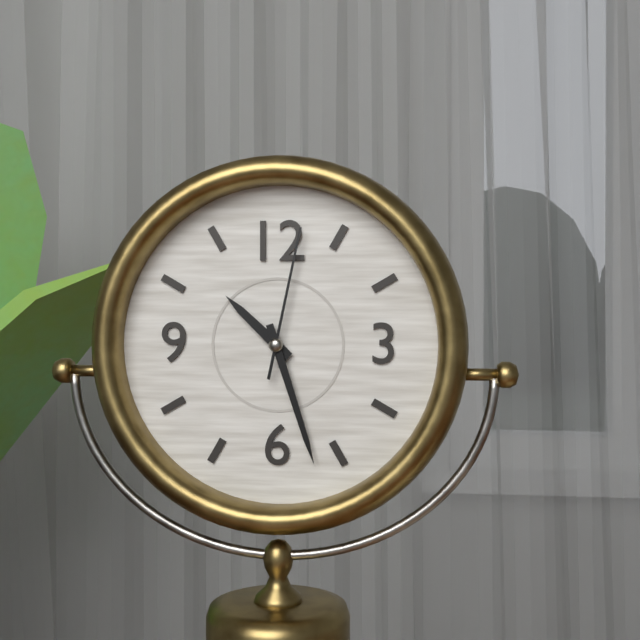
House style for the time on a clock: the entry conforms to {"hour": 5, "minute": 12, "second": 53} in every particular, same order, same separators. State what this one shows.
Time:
{"hour": 10, "minute": 27, "second": 2}
